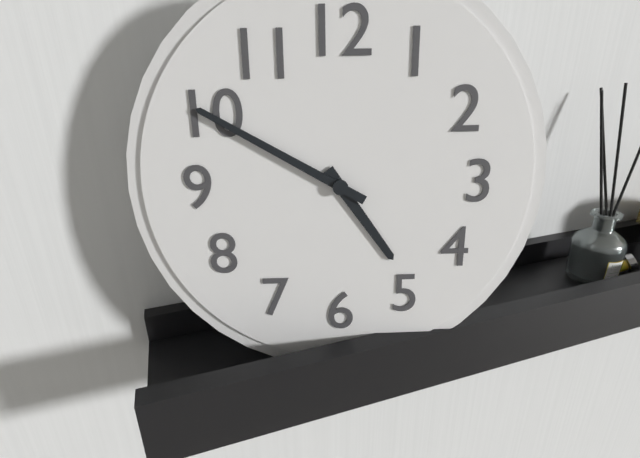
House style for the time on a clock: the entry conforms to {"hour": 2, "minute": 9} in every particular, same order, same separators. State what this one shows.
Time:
{"hour": 4, "minute": 50}
